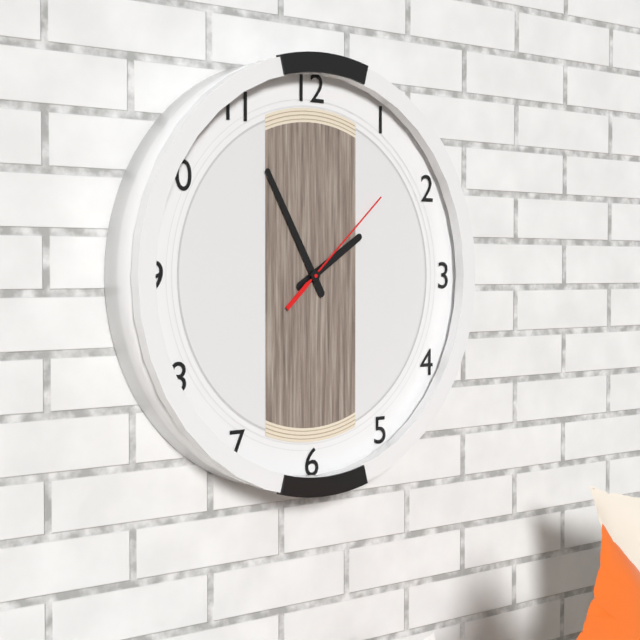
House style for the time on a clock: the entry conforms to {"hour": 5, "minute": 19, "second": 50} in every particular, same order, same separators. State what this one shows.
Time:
{"hour": 1, "minute": 55, "second": 8}
